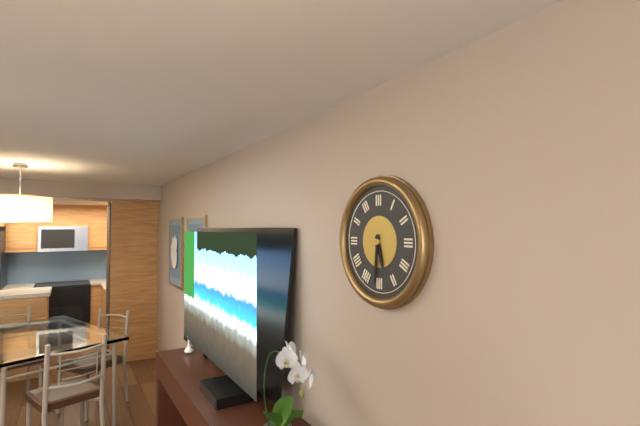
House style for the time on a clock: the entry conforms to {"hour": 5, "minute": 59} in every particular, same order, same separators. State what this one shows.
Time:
{"hour": 5, "minute": 31}
